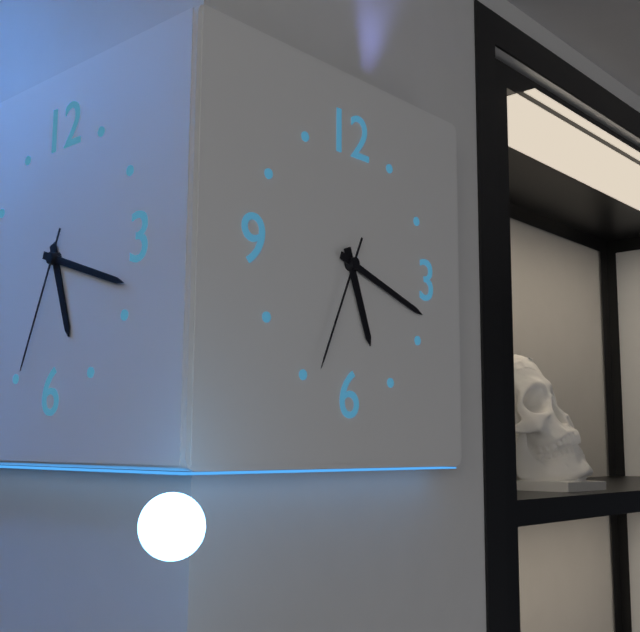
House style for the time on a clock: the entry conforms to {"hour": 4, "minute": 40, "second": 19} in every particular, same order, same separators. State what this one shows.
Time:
{"hour": 5, "minute": 18, "second": 34}
